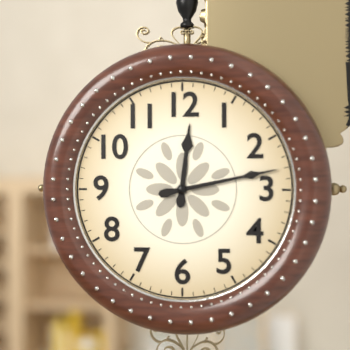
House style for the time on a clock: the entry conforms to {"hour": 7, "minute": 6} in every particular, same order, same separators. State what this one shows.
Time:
{"hour": 12, "minute": 13}
